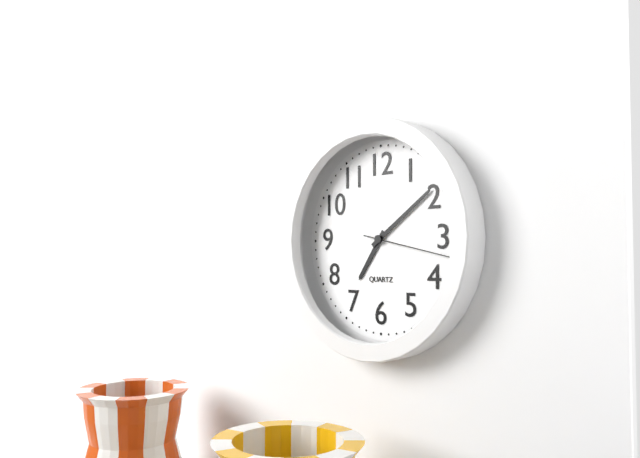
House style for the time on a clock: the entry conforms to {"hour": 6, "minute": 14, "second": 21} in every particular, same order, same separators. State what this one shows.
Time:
{"hour": 7, "minute": 9, "second": 17}
